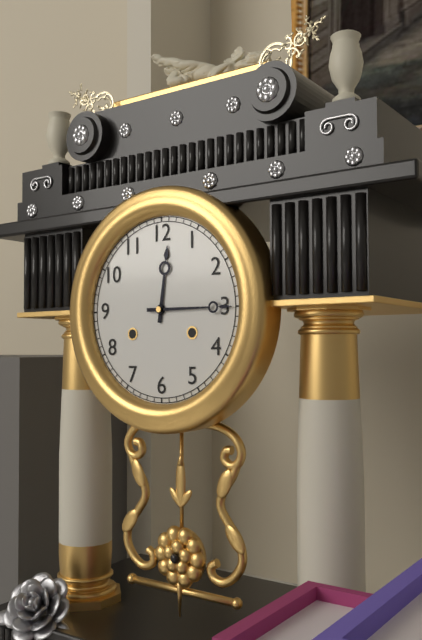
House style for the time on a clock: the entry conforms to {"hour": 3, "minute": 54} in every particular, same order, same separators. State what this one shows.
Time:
{"hour": 12, "minute": 15}
